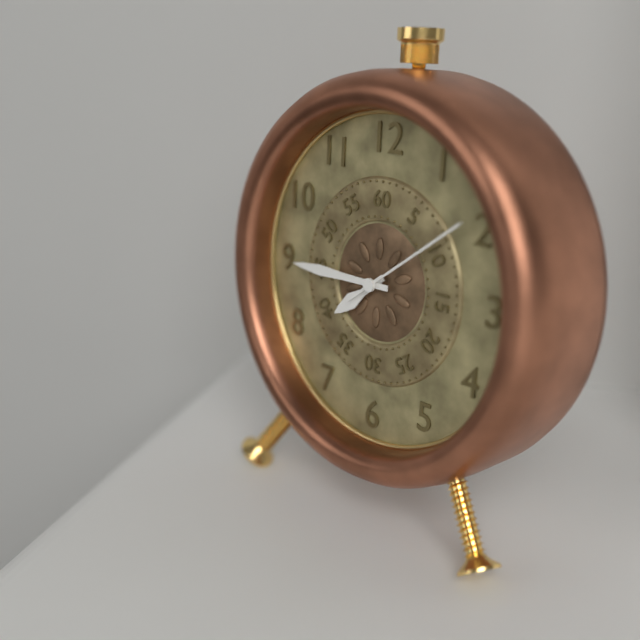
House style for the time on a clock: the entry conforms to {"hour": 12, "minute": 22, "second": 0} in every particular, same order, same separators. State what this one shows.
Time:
{"hour": 7, "minute": 45, "second": 9}
